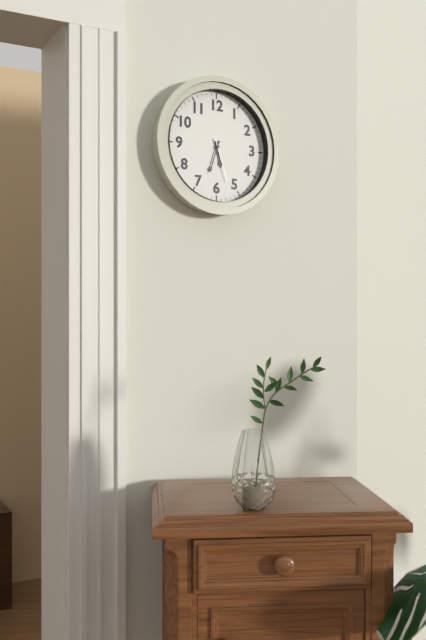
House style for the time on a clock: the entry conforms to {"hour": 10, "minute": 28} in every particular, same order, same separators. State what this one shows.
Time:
{"hour": 5, "minute": 33}
